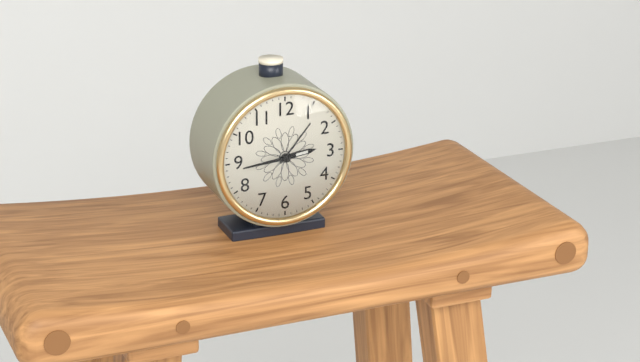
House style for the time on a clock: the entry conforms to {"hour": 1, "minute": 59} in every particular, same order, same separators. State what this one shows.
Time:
{"hour": 2, "minute": 44}
